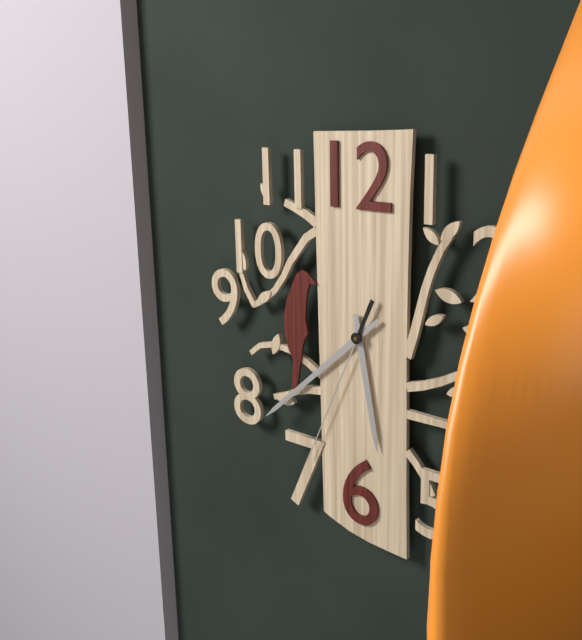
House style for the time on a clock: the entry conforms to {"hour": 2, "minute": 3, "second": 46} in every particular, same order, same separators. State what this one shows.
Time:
{"hour": 5, "minute": 38, "second": 34}
